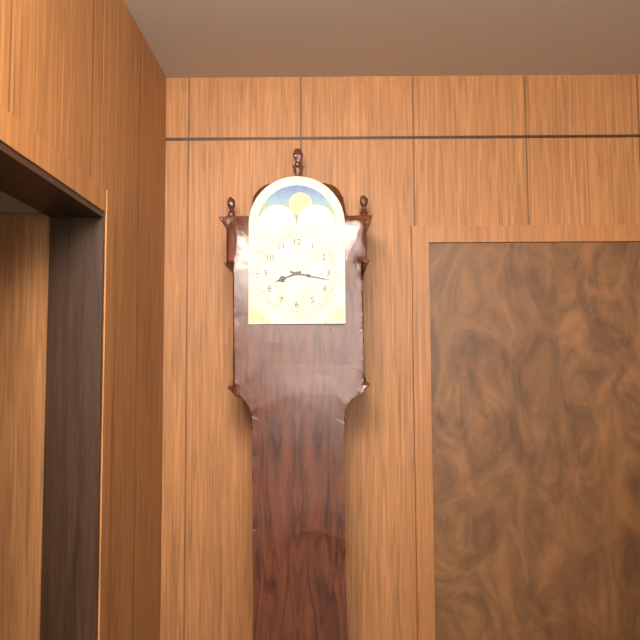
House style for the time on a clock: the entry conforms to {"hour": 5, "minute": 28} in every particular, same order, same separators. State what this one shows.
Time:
{"hour": 8, "minute": 17}
